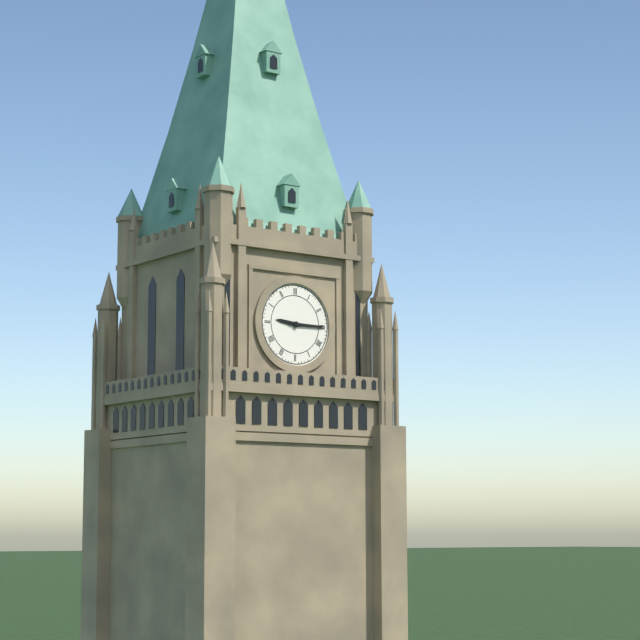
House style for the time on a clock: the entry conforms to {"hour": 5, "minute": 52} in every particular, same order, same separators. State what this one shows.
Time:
{"hour": 9, "minute": 15}
